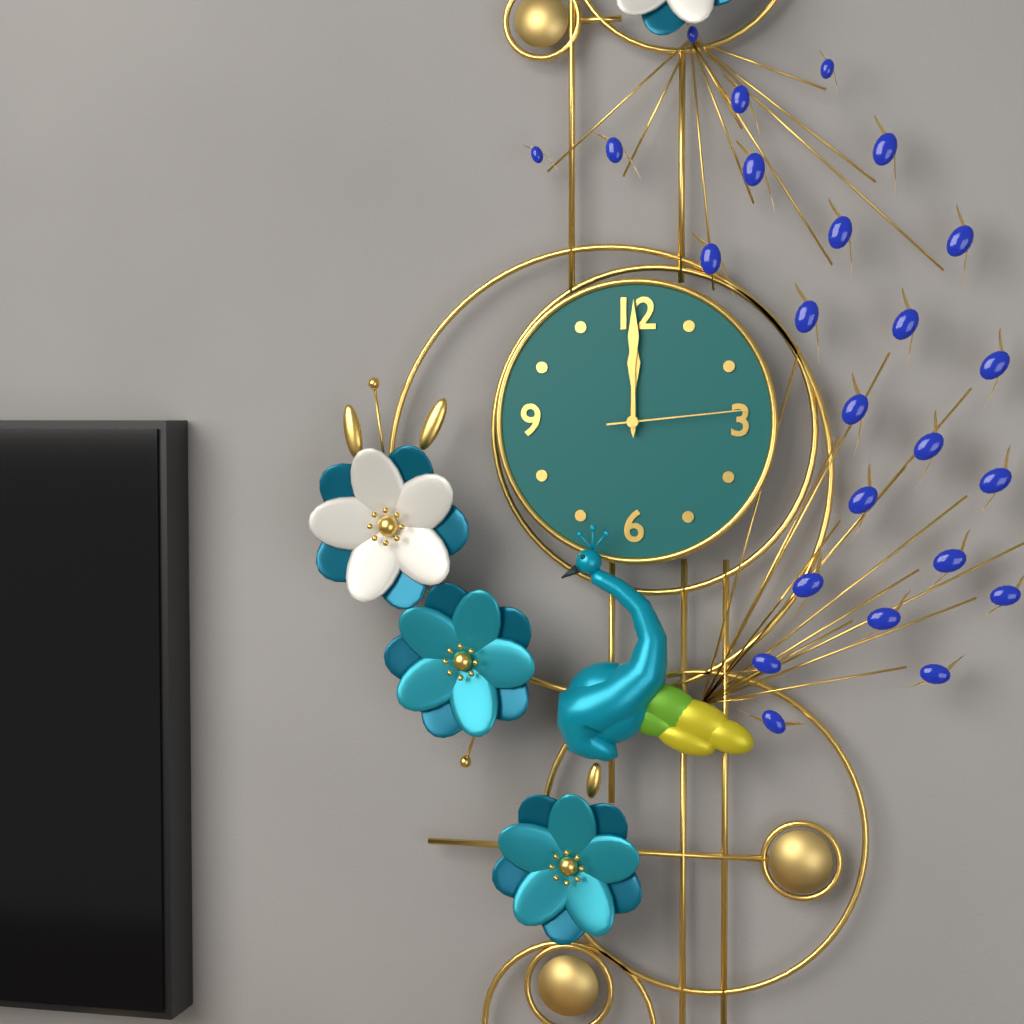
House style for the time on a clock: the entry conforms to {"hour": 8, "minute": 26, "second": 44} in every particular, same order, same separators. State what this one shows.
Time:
{"hour": 12, "minute": 0, "second": 14}
